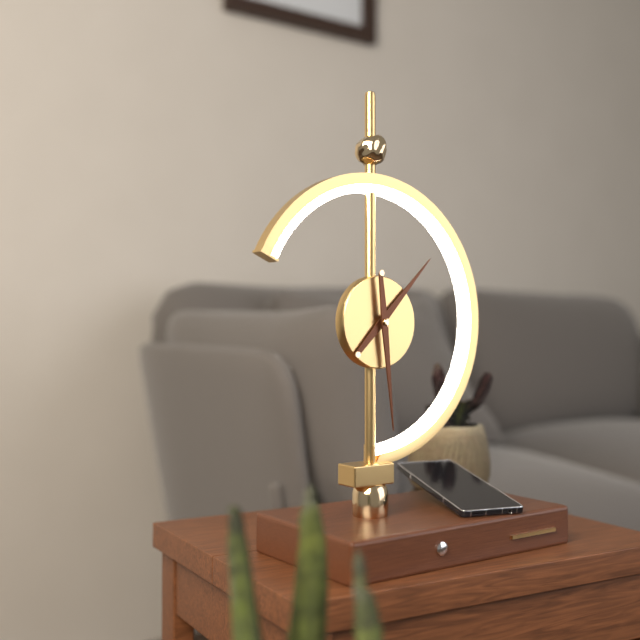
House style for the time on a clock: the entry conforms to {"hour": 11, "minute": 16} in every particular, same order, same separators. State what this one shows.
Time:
{"hour": 1, "minute": 29}
